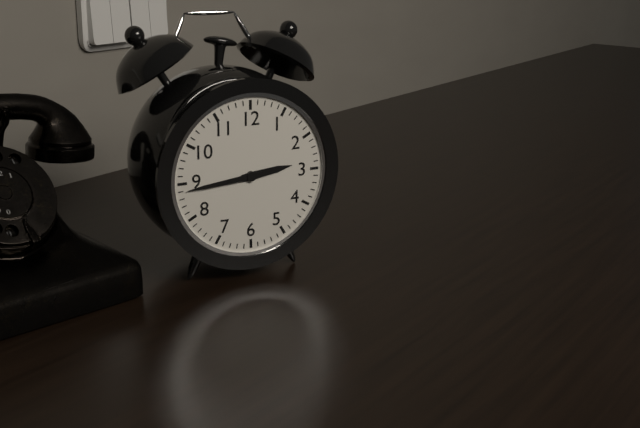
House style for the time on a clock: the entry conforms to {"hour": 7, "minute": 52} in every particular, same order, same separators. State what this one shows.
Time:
{"hour": 2, "minute": 44}
